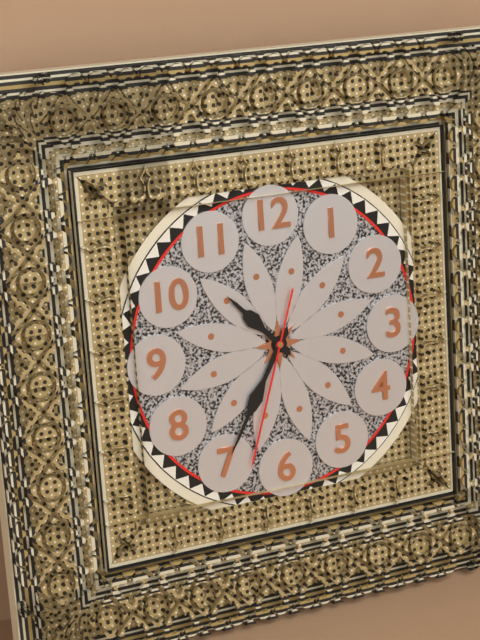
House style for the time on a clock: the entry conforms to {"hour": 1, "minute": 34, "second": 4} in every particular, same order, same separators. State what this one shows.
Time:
{"hour": 10, "minute": 35, "second": 33}
